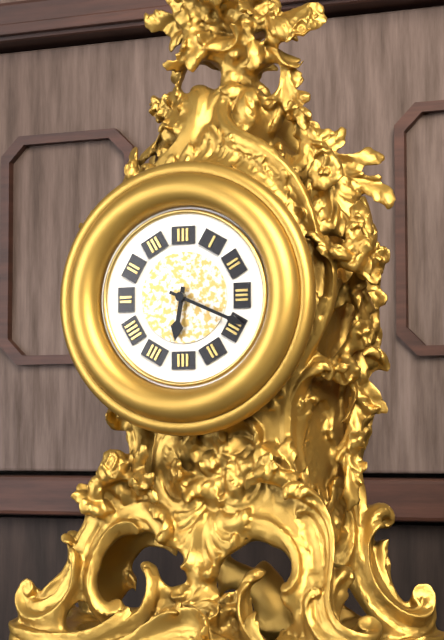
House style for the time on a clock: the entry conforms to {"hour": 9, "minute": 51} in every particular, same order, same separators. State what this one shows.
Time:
{"hour": 6, "minute": 19}
